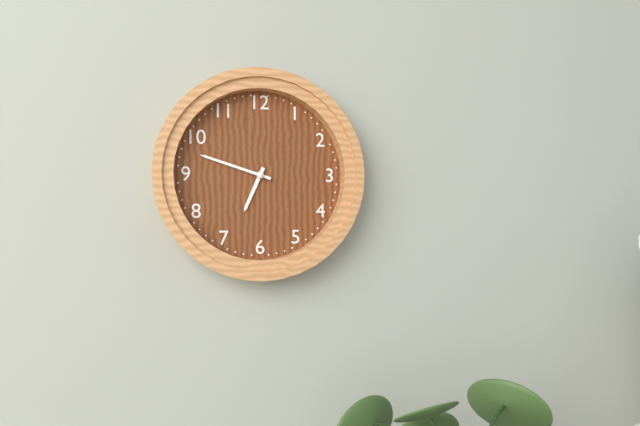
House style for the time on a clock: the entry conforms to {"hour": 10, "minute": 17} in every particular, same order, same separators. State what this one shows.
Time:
{"hour": 6, "minute": 48}
